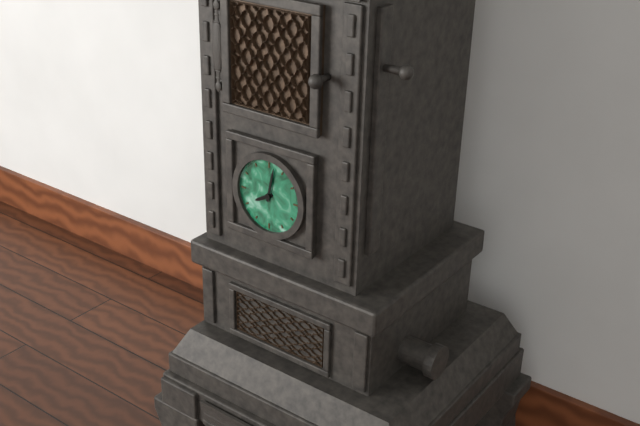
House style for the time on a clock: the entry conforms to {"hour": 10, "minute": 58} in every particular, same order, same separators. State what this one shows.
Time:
{"hour": 8, "minute": 2}
